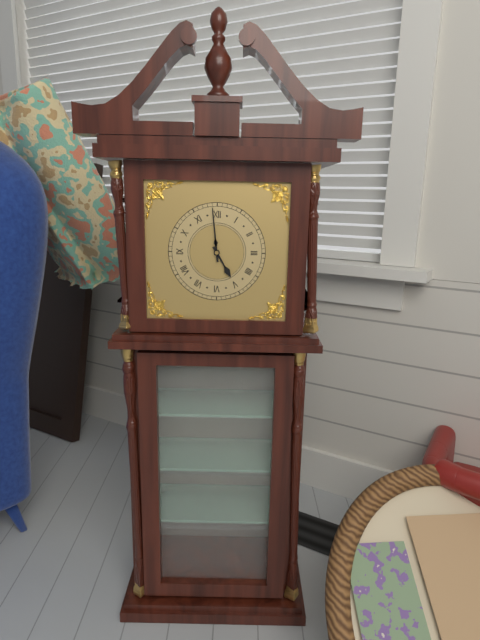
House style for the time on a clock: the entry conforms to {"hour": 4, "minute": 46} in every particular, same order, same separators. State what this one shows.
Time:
{"hour": 4, "minute": 59}
